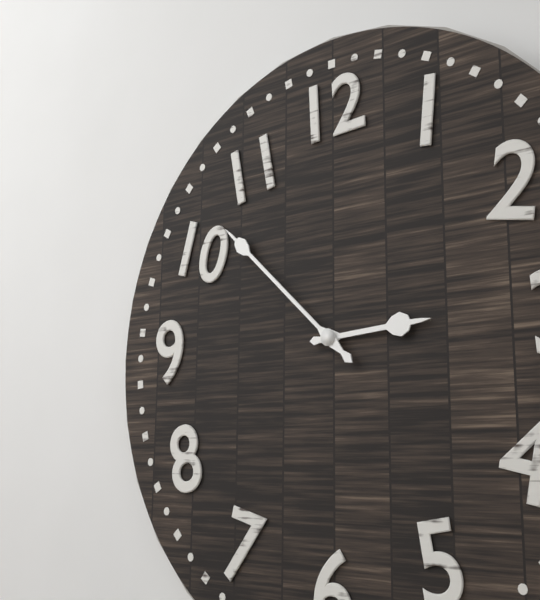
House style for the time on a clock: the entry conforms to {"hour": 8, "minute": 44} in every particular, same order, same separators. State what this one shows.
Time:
{"hour": 2, "minute": 52}
